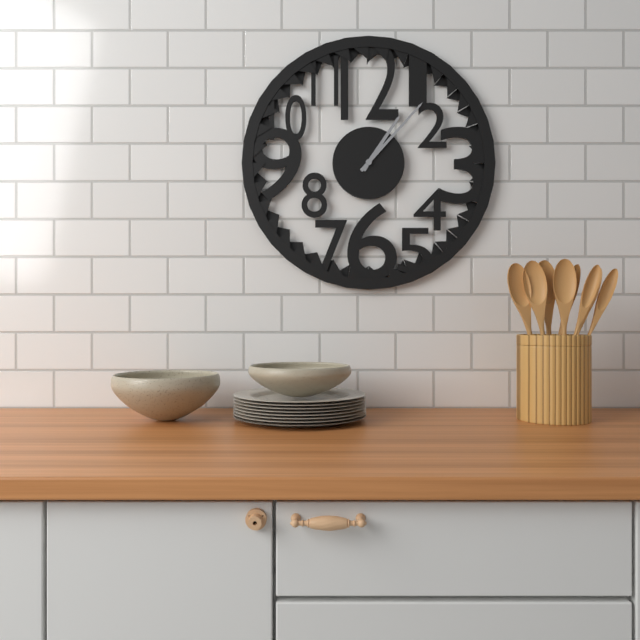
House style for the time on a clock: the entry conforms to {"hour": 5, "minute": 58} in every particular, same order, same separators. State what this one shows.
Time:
{"hour": 1, "minute": 7}
